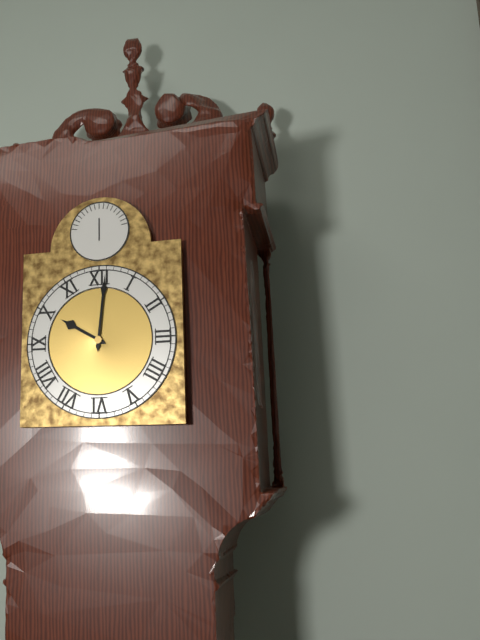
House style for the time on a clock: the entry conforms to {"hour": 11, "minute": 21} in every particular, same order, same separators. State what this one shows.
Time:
{"hour": 10, "minute": 1}
